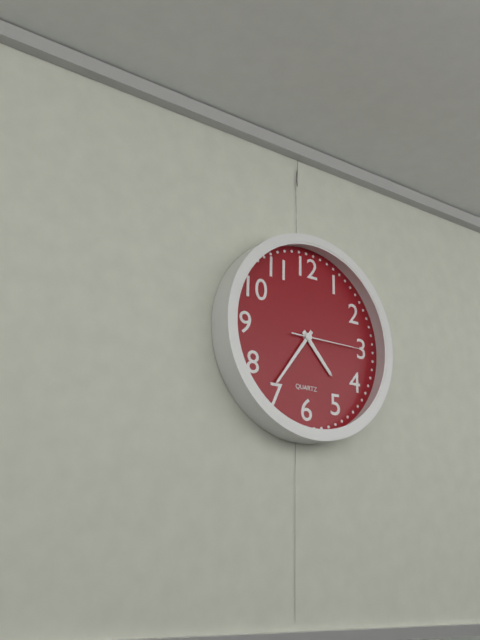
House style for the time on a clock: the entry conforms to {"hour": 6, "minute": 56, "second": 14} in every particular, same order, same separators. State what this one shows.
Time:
{"hour": 4, "minute": 36, "second": 15}
